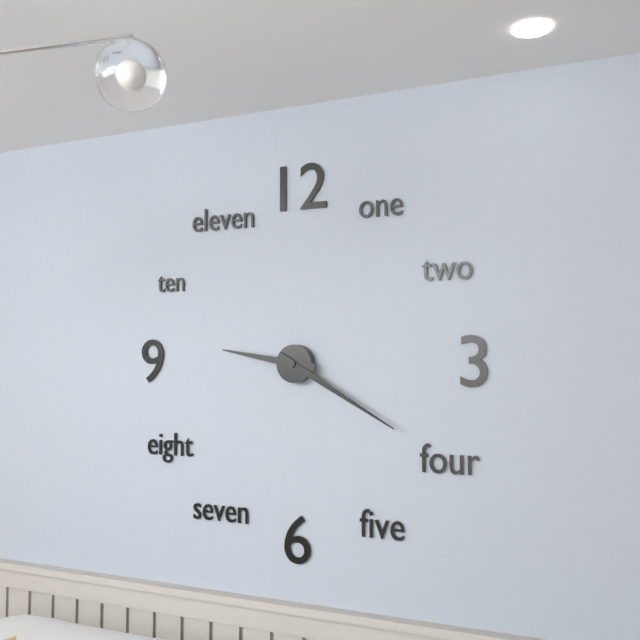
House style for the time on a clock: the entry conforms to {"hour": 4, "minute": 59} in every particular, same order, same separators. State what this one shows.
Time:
{"hour": 9, "minute": 20}
